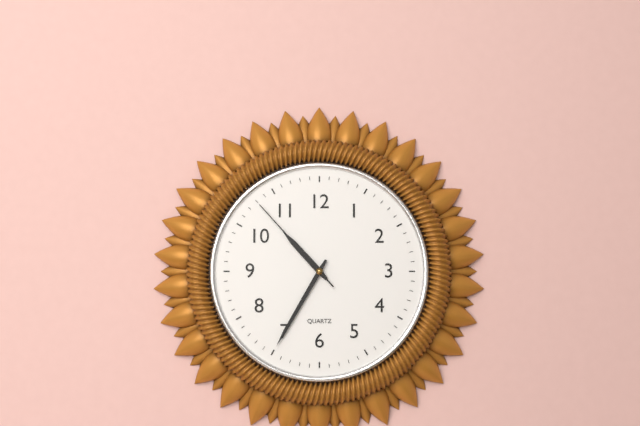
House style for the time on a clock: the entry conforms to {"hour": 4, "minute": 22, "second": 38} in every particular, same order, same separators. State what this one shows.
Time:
{"hour": 10, "minute": 35, "second": 53}
